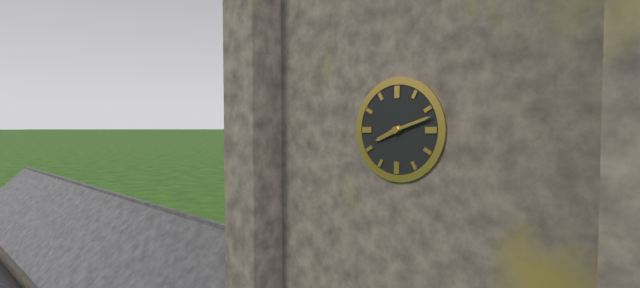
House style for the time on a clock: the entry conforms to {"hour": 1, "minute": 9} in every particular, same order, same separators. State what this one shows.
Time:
{"hour": 8, "minute": 12}
